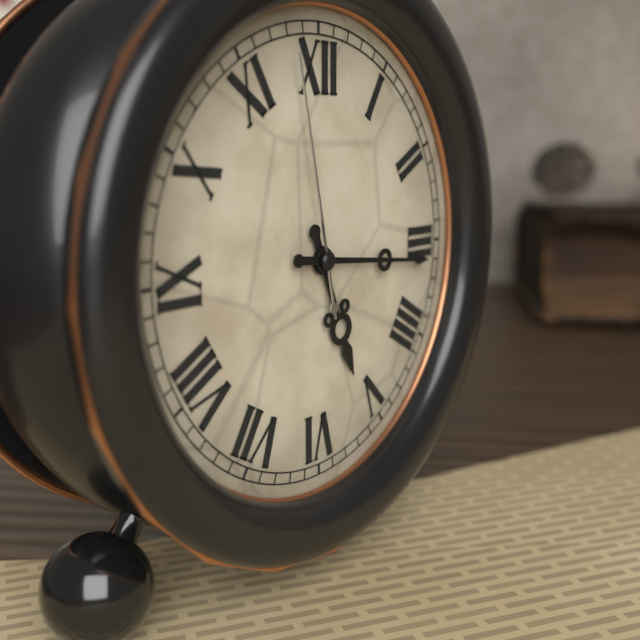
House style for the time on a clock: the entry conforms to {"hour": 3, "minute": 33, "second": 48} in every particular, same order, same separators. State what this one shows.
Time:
{"hour": 5, "minute": 16, "second": 58}
